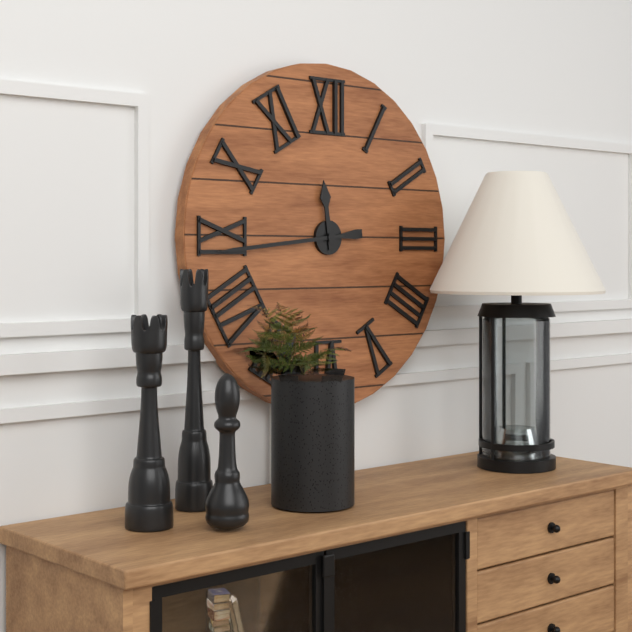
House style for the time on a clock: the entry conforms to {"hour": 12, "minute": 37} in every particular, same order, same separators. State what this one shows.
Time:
{"hour": 11, "minute": 44}
